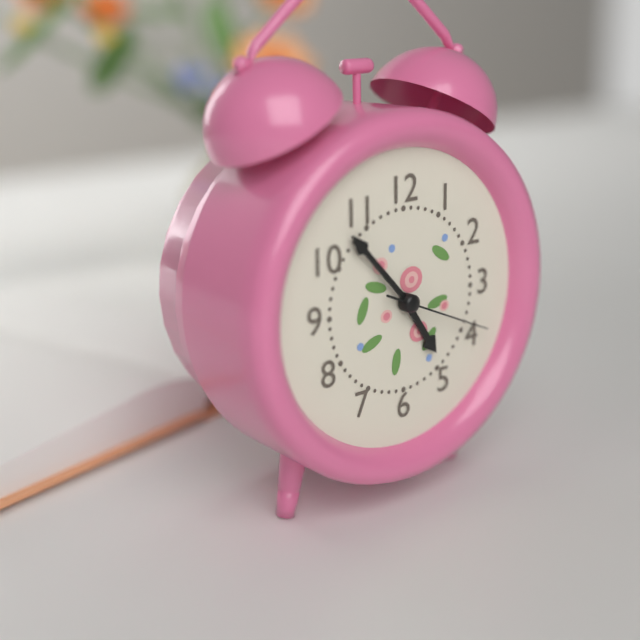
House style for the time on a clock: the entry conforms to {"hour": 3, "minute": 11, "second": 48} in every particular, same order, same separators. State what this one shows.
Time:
{"hour": 4, "minute": 53, "second": 19}
